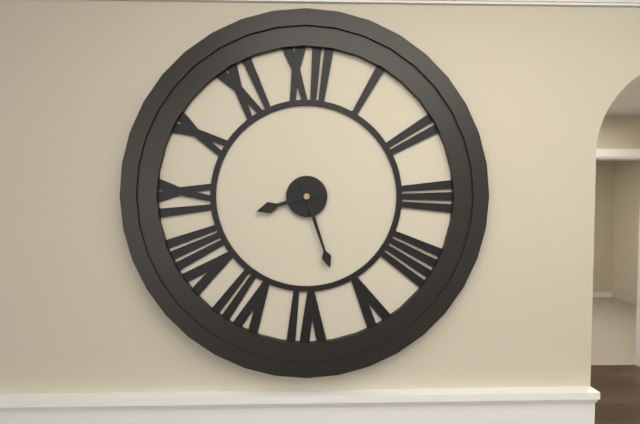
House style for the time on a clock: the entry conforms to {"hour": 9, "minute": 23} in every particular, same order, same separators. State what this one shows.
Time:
{"hour": 8, "minute": 27}
